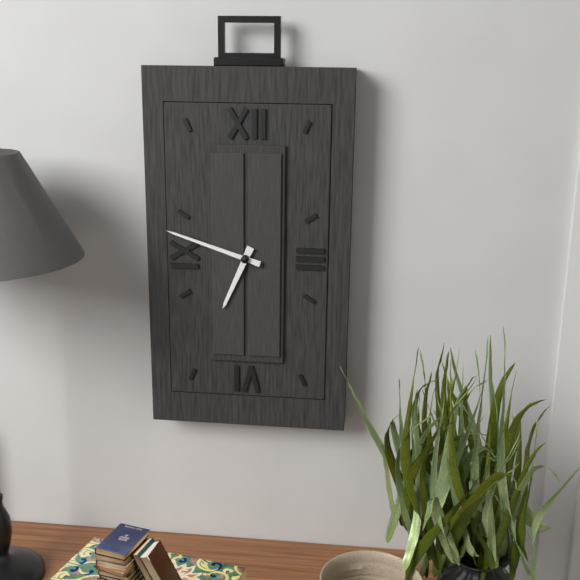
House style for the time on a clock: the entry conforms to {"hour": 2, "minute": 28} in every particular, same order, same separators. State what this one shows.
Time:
{"hour": 6, "minute": 48}
